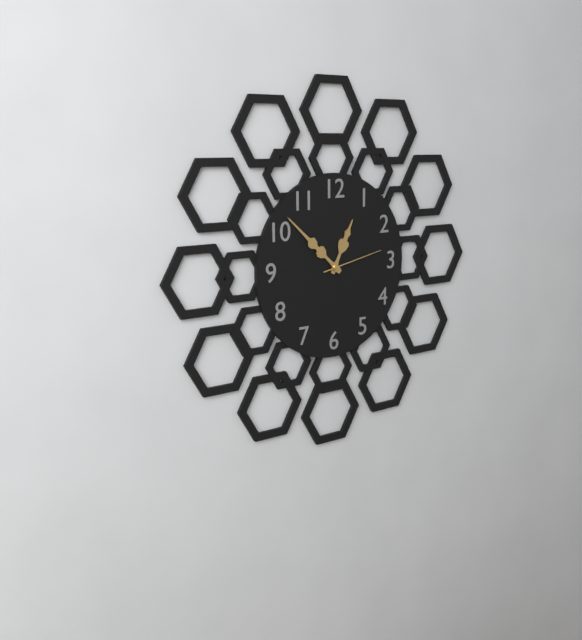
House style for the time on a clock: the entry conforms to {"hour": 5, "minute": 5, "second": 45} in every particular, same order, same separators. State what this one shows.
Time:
{"hour": 12, "minute": 52, "second": 13}
